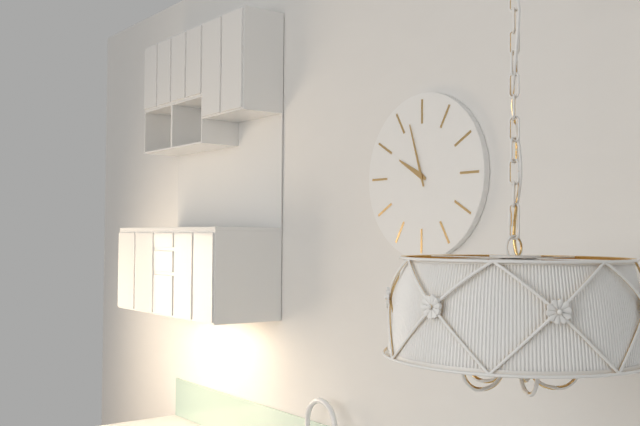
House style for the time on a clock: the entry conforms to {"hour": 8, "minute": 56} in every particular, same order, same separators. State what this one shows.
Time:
{"hour": 9, "minute": 57}
